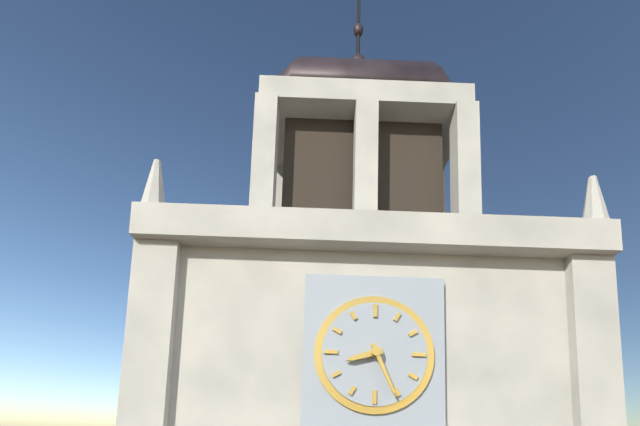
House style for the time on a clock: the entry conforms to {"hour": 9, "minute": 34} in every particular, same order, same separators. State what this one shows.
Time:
{"hour": 8, "minute": 26}
